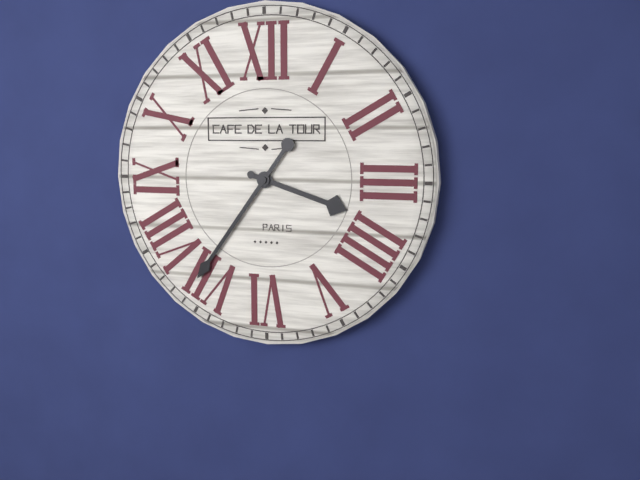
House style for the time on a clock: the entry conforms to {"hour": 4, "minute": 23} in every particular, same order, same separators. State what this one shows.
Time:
{"hour": 3, "minute": 36}
